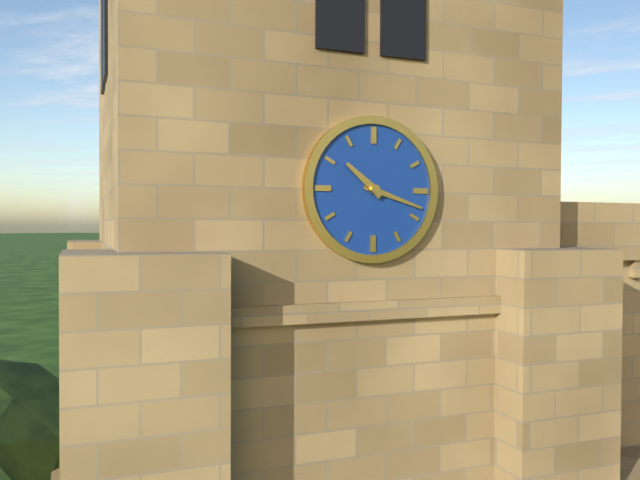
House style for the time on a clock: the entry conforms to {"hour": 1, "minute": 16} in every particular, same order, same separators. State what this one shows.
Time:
{"hour": 10, "minute": 18}
